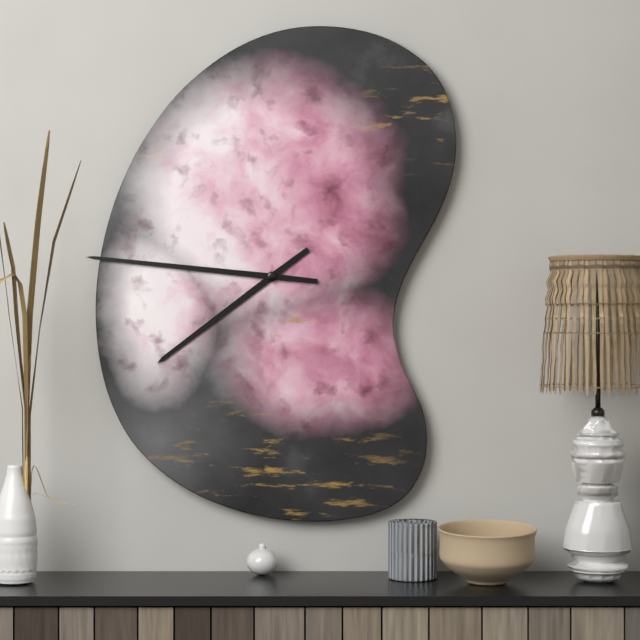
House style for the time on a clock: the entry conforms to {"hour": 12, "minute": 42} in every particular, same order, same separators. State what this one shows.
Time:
{"hour": 7, "minute": 46}
